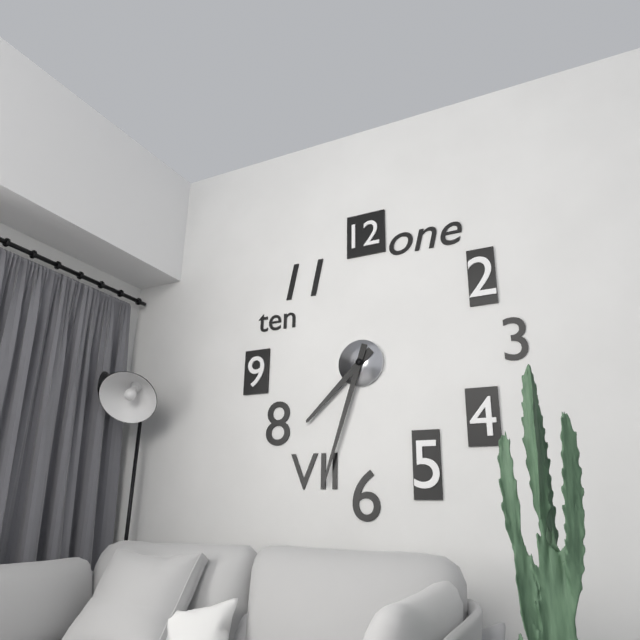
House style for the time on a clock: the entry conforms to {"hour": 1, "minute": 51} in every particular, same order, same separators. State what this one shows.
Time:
{"hour": 7, "minute": 33}
